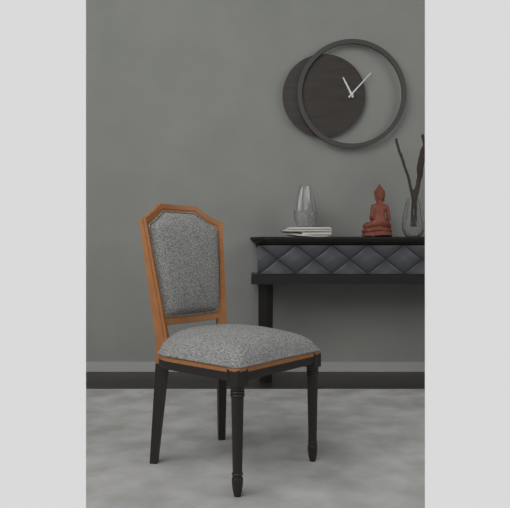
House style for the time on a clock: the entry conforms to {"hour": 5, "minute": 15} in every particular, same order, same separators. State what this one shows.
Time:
{"hour": 11, "minute": 7}
